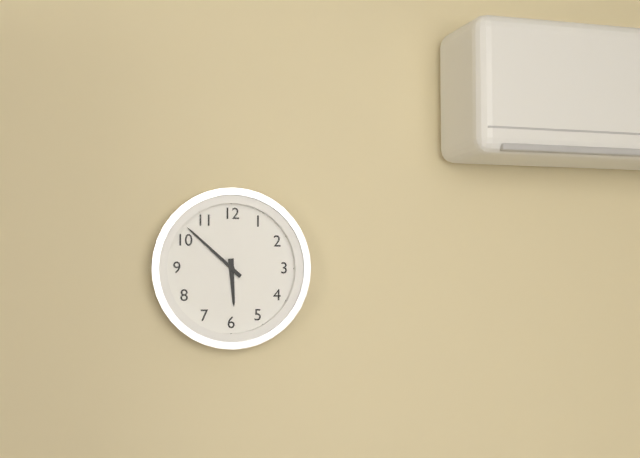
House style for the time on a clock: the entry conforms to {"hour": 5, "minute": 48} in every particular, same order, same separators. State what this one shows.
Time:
{"hour": 5, "minute": 52}
